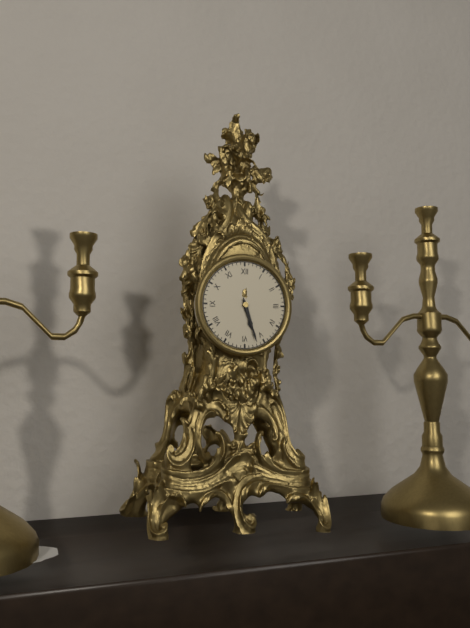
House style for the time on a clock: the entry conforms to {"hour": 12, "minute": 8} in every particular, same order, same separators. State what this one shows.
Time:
{"hour": 5, "minute": 27}
